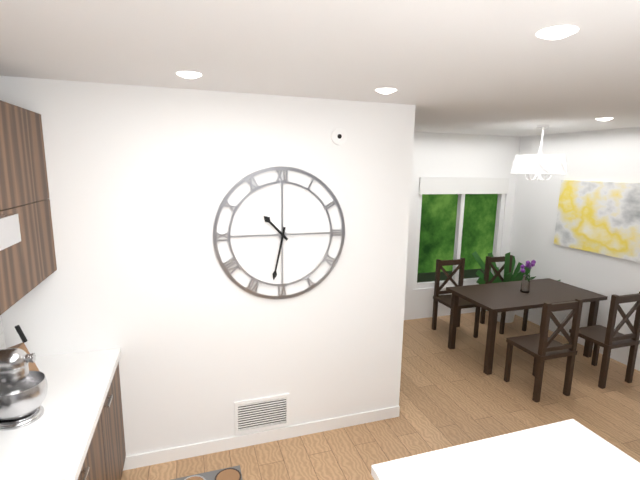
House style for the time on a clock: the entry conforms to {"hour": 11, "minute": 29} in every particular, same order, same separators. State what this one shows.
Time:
{"hour": 10, "minute": 32}
